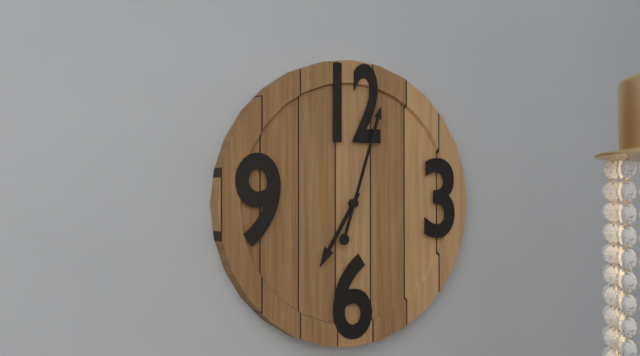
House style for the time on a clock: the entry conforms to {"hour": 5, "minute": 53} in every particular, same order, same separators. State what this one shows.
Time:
{"hour": 7, "minute": 3}
